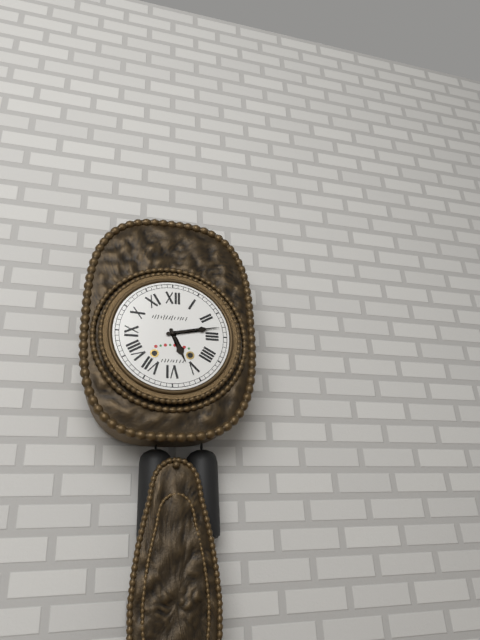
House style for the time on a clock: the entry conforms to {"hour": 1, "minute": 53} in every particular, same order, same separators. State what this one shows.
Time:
{"hour": 5, "minute": 13}
